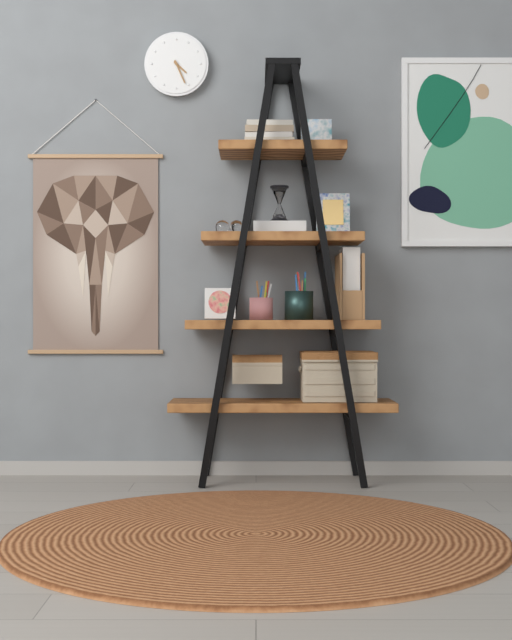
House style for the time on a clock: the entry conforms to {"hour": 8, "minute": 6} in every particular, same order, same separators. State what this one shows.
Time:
{"hour": 4, "minute": 26}
